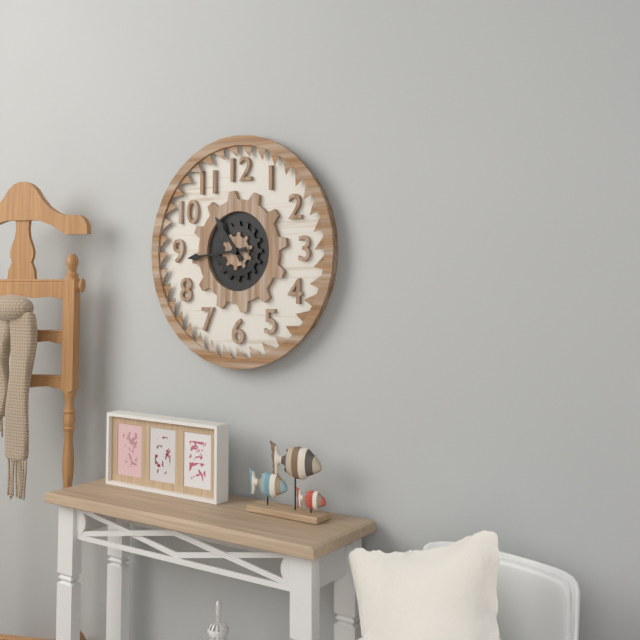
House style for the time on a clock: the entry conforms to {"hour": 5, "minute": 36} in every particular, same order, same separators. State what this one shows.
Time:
{"hour": 10, "minute": 44}
